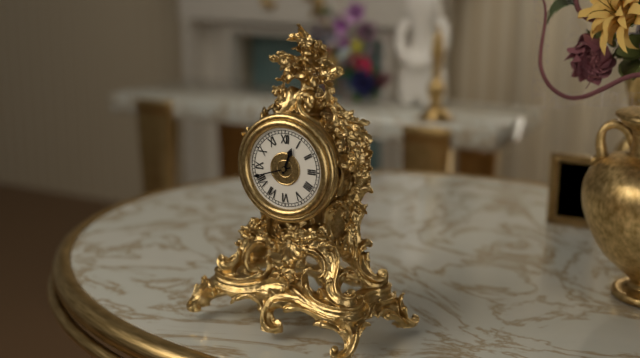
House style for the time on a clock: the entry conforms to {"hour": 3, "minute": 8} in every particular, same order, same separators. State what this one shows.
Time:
{"hour": 12, "minute": 42}
